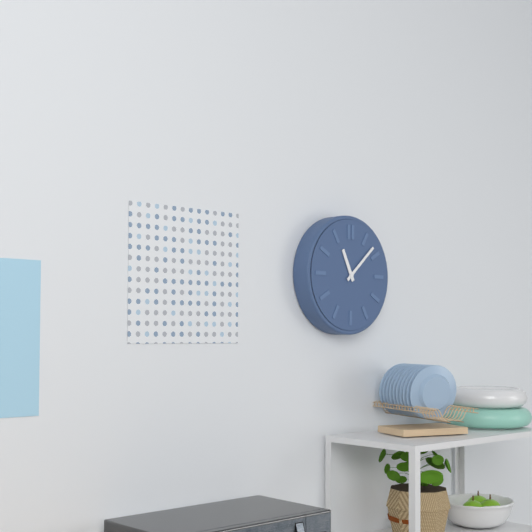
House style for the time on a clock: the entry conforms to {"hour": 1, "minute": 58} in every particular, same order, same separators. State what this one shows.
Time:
{"hour": 11, "minute": 8}
